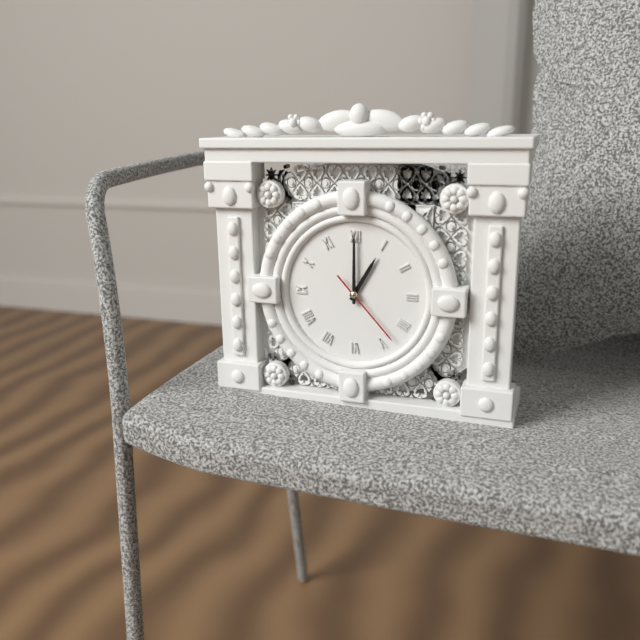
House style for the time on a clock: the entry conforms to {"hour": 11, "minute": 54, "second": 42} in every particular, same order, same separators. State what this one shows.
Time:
{"hour": 1, "minute": 0, "second": 23}
